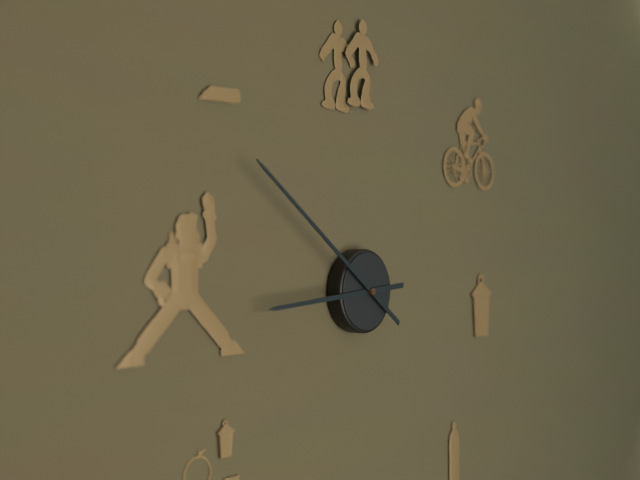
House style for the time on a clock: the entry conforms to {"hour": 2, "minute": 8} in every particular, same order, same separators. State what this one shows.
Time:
{"hour": 8, "minute": 51}
